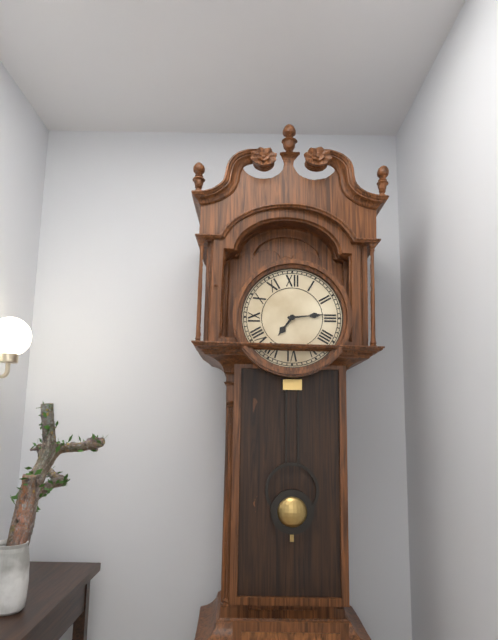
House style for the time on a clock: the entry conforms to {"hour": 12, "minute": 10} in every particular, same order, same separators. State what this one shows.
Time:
{"hour": 7, "minute": 14}
